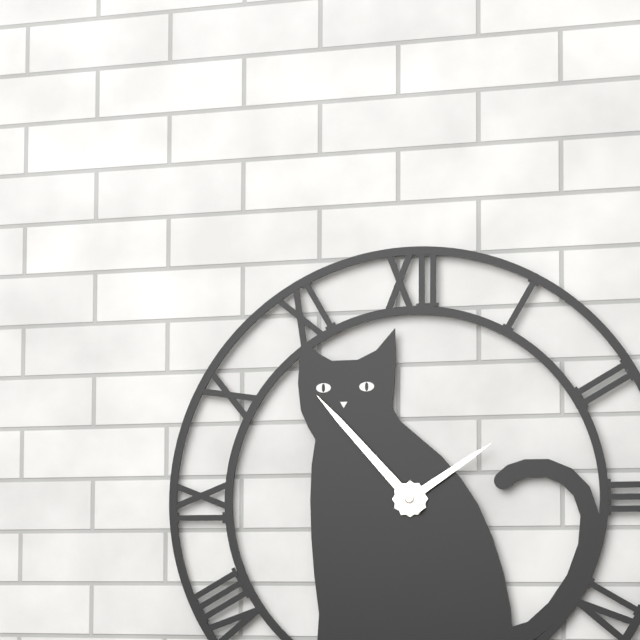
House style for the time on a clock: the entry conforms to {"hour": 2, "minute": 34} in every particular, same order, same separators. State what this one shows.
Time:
{"hour": 1, "minute": 53}
